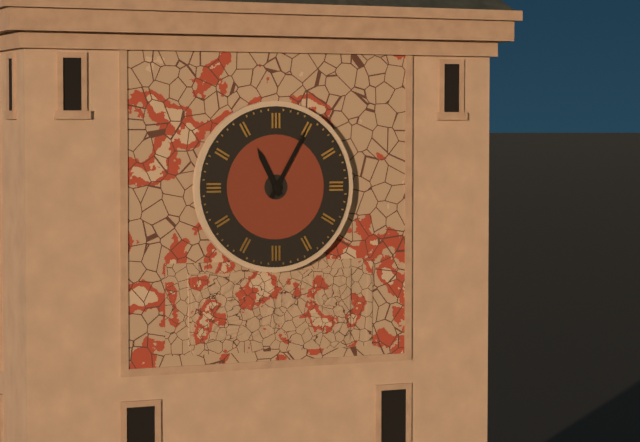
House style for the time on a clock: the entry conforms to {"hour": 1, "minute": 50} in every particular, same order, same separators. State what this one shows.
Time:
{"hour": 11, "minute": 5}
